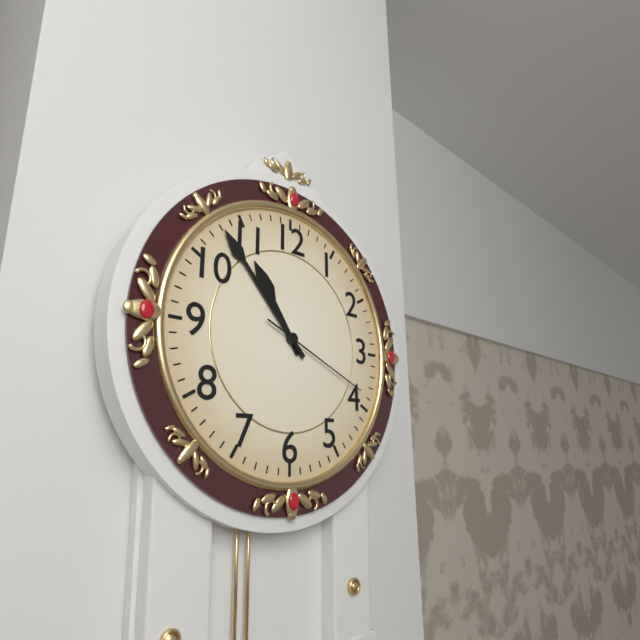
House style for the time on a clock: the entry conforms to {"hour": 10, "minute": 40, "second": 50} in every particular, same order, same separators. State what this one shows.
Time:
{"hour": 10, "minute": 53, "second": 19}
